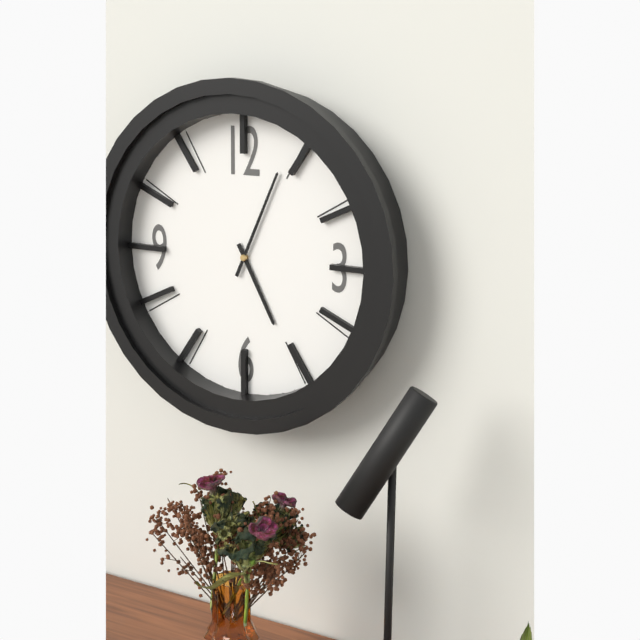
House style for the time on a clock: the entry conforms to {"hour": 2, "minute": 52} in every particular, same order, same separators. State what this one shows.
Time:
{"hour": 5, "minute": 4}
